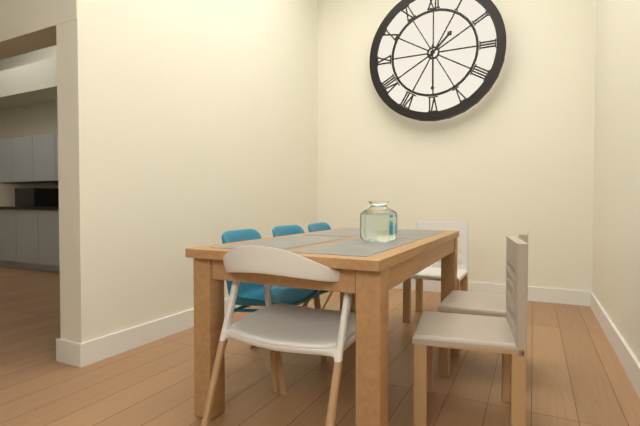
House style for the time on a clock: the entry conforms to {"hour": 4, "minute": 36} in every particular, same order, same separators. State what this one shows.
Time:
{"hour": 1, "minute": 30}
